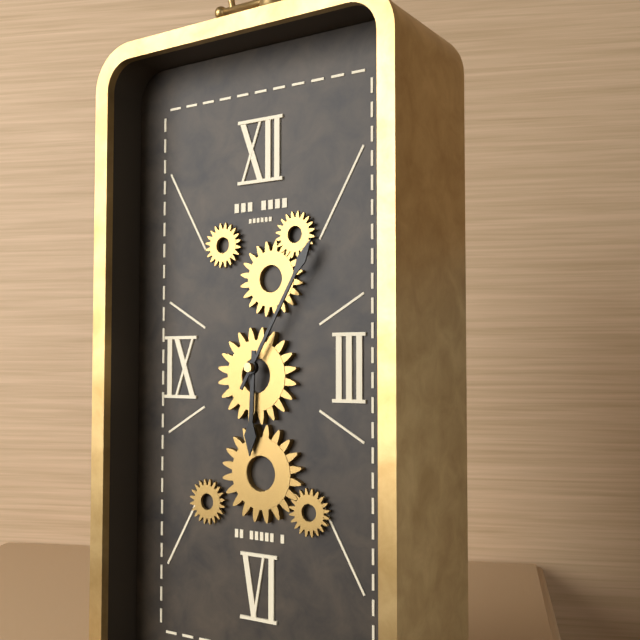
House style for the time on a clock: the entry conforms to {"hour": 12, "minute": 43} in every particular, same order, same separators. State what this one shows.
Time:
{"hour": 6, "minute": 5}
